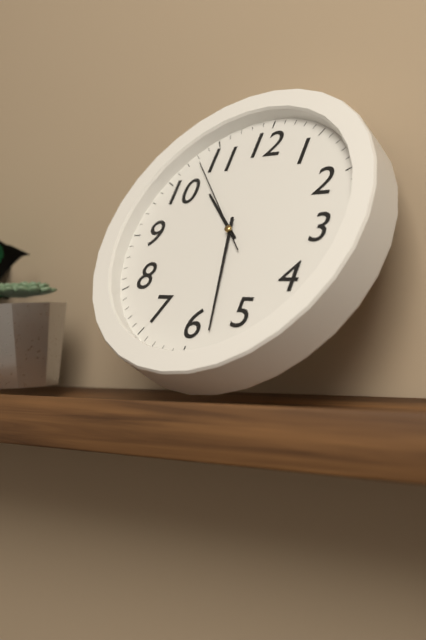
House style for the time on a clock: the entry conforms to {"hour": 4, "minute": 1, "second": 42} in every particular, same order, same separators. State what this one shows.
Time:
{"hour": 10, "minute": 28, "second": 53}
